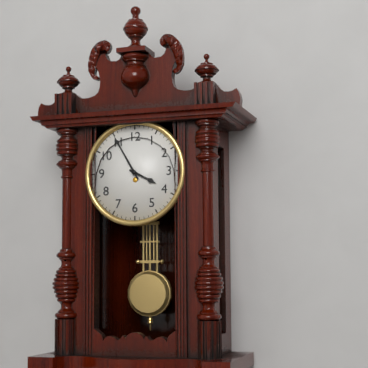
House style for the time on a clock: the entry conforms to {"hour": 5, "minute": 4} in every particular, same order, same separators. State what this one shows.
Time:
{"hour": 3, "minute": 55}
